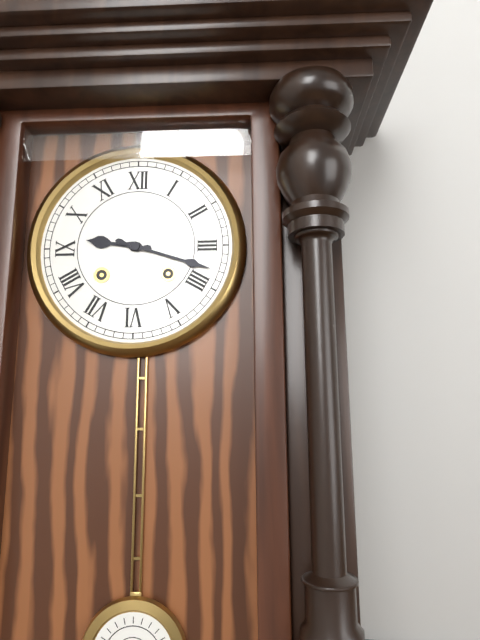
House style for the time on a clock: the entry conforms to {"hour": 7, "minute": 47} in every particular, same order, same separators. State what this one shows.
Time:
{"hour": 9, "minute": 18}
